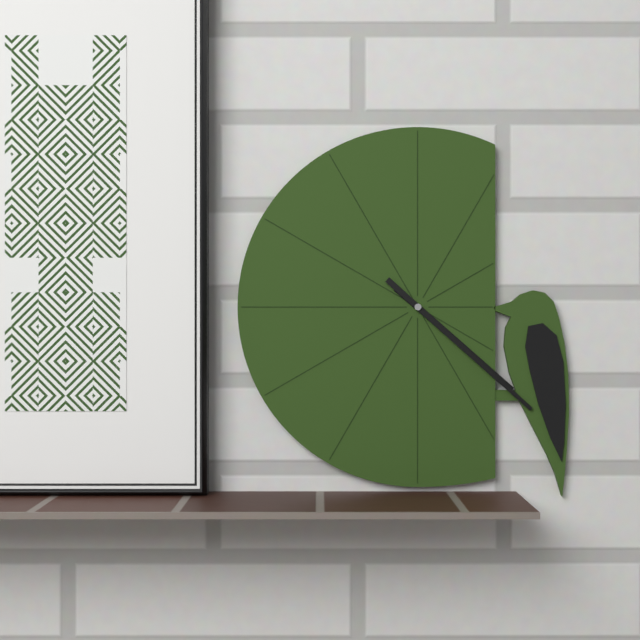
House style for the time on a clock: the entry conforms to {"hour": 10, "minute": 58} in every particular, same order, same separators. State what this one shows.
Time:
{"hour": 4, "minute": 22}
